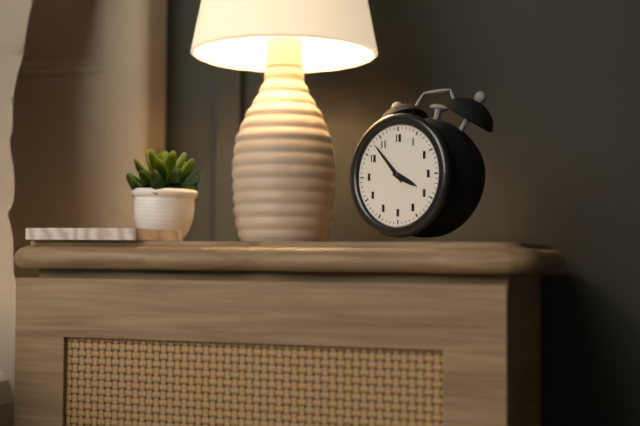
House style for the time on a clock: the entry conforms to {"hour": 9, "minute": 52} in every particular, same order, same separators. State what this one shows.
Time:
{"hour": 3, "minute": 53}
